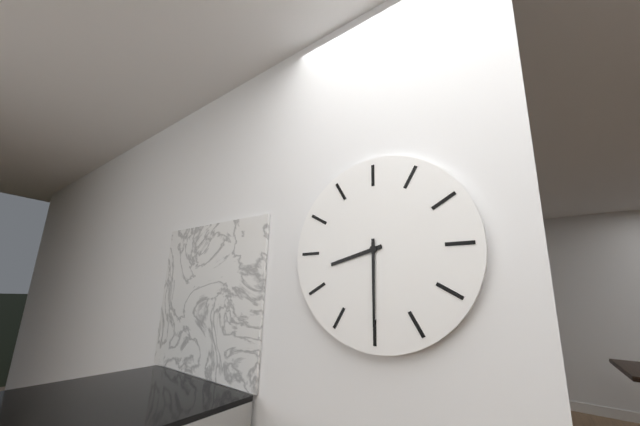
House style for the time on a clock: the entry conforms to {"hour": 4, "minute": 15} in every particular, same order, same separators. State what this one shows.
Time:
{"hour": 8, "minute": 30}
